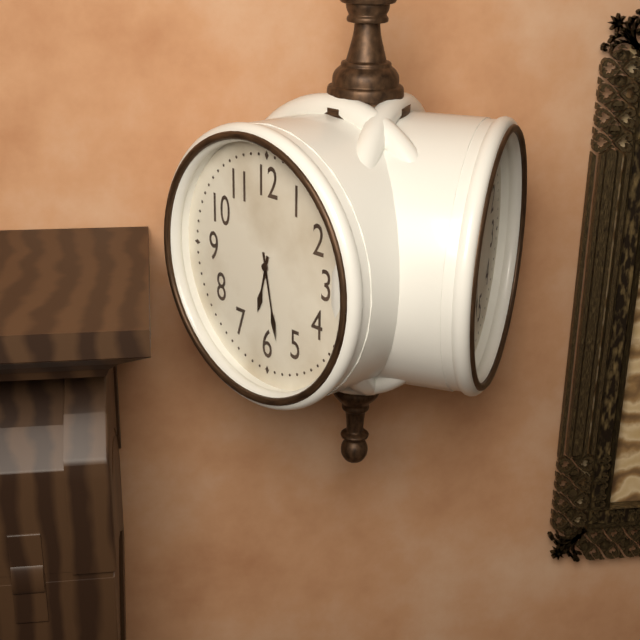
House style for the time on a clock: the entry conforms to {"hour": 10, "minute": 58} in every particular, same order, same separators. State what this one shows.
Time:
{"hour": 6, "minute": 28}
